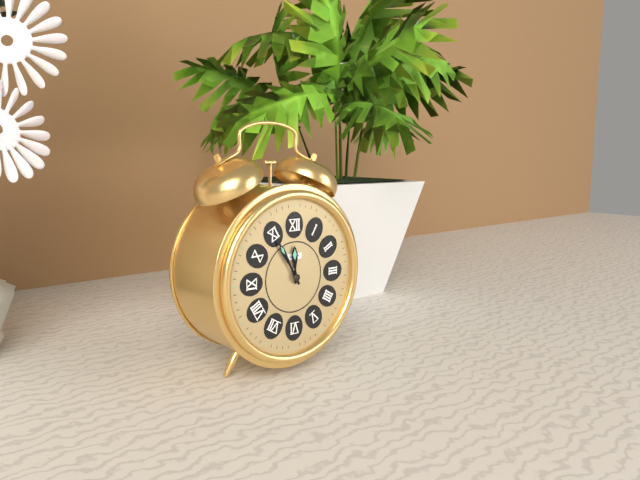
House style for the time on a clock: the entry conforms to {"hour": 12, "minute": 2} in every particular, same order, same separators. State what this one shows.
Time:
{"hour": 11, "minute": 55}
